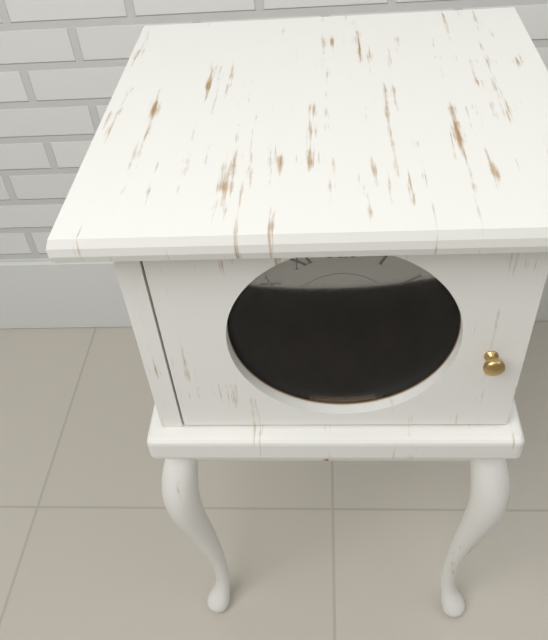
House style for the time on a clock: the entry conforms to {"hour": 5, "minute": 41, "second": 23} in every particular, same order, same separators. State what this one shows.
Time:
{"hour": 4, "minute": 17, "second": 14}
